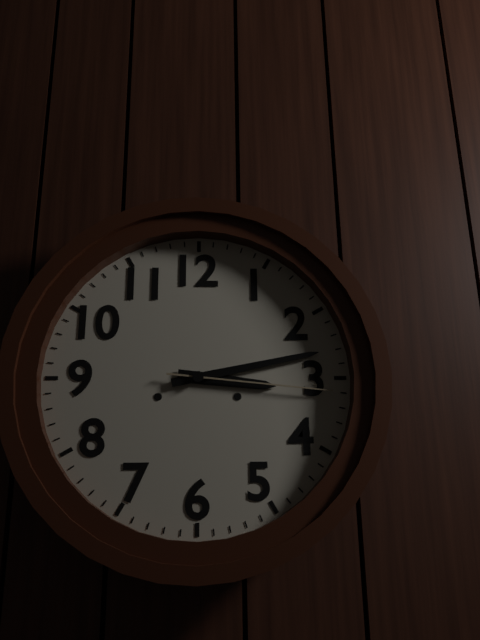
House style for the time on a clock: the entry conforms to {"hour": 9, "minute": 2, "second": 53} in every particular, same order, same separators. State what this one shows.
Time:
{"hour": 3, "minute": 13, "second": 16}
